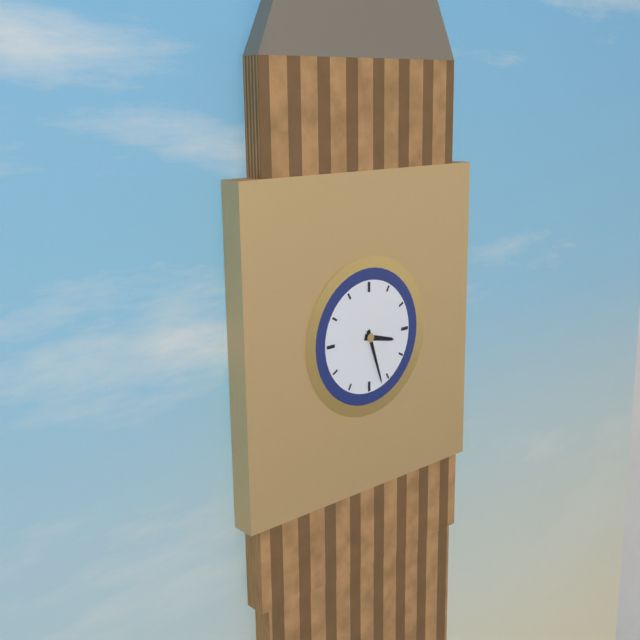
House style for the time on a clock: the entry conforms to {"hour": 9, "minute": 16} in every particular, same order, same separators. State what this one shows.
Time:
{"hour": 3, "minute": 27}
